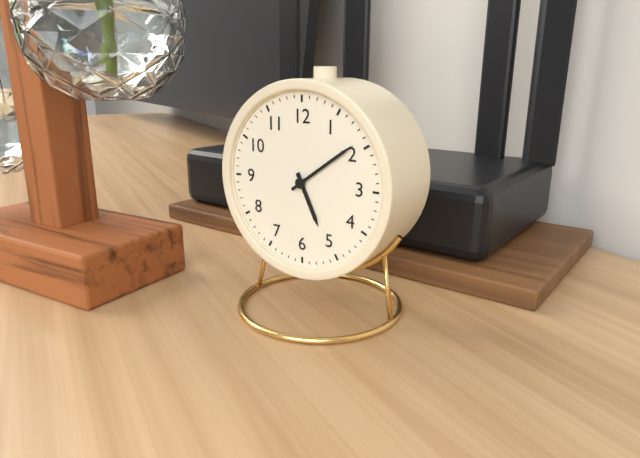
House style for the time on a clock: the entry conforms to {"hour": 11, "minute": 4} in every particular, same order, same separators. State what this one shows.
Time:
{"hour": 5, "minute": 9}
